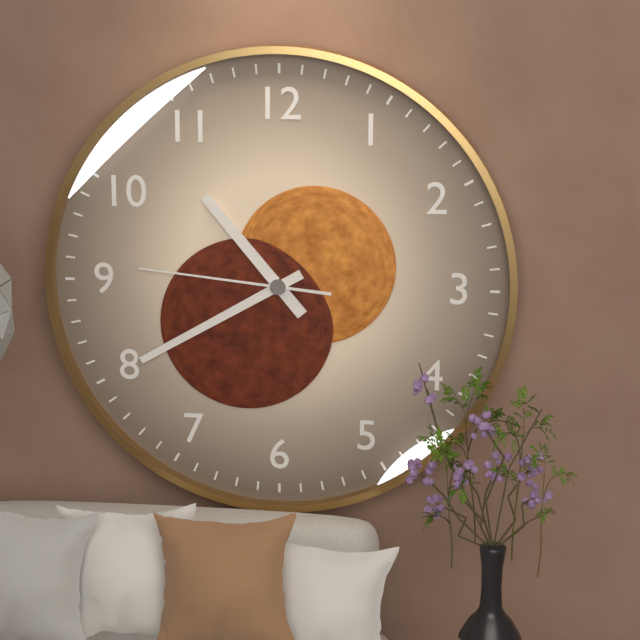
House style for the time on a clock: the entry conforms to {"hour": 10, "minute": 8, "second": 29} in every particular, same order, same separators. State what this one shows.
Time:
{"hour": 10, "minute": 40, "second": 46}
